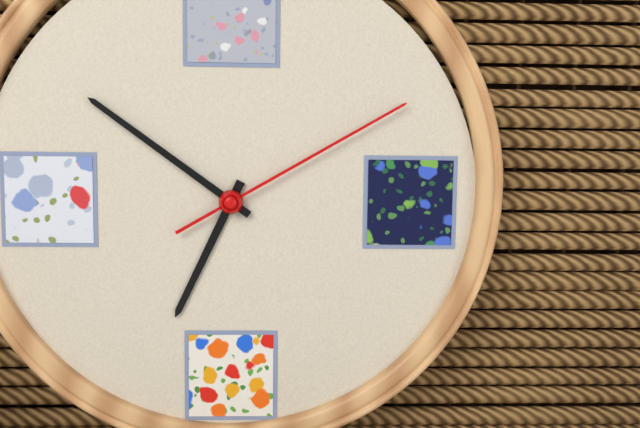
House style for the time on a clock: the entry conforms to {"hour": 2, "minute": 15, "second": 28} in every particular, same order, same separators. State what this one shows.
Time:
{"hour": 6, "minute": 51, "second": 10}
